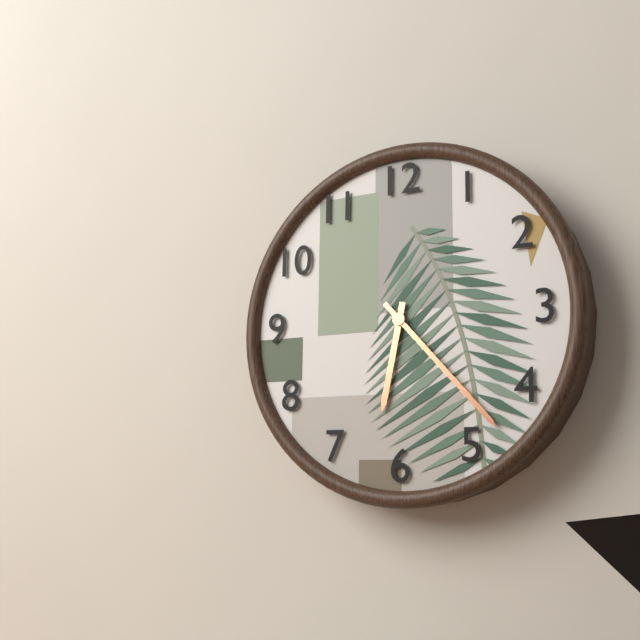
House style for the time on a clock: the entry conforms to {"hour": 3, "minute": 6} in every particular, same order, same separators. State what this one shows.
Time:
{"hour": 6, "minute": 23}
